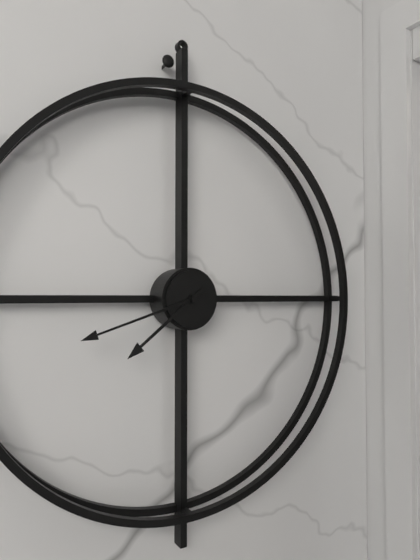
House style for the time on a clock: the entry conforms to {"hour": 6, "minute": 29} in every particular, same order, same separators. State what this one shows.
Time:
{"hour": 7, "minute": 42}
